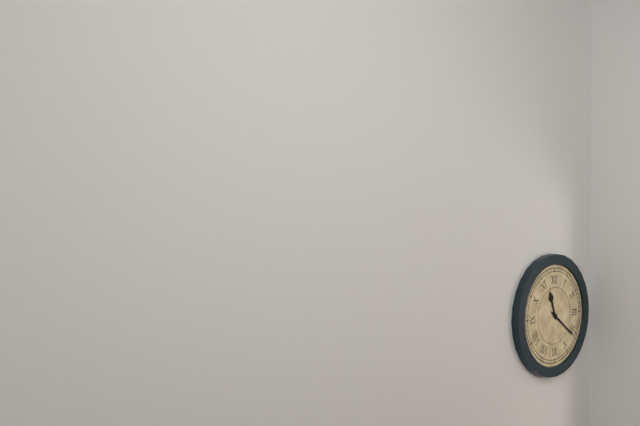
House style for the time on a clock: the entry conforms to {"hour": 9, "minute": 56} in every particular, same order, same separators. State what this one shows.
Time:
{"hour": 11, "minute": 21}
